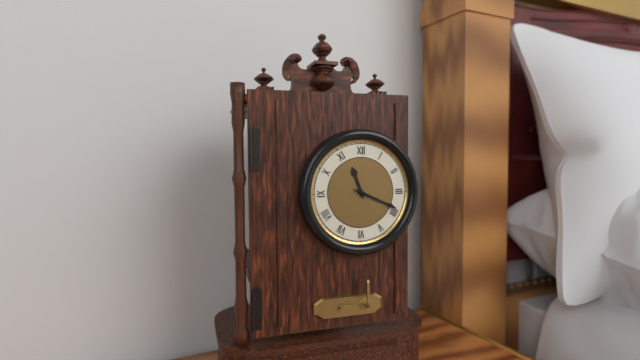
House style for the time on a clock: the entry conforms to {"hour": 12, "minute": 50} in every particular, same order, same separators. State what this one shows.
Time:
{"hour": 11, "minute": 19}
